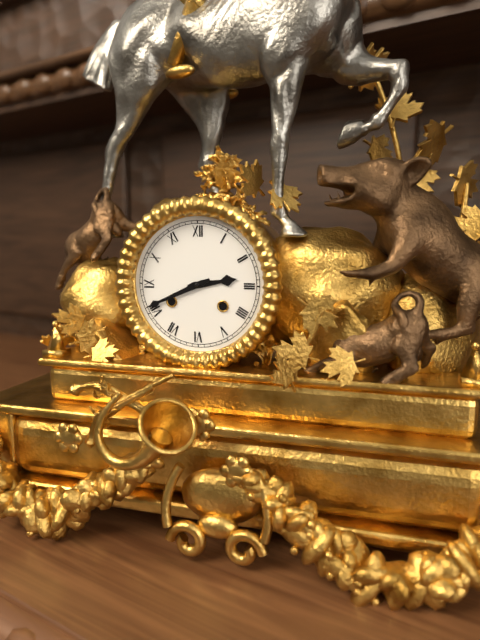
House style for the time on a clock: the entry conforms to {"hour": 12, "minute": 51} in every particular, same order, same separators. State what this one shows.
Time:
{"hour": 2, "minute": 41}
